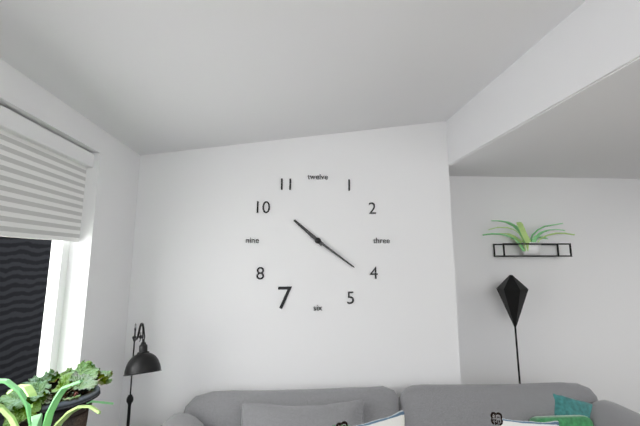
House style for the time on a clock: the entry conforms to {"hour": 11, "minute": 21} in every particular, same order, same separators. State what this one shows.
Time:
{"hour": 10, "minute": 21}
